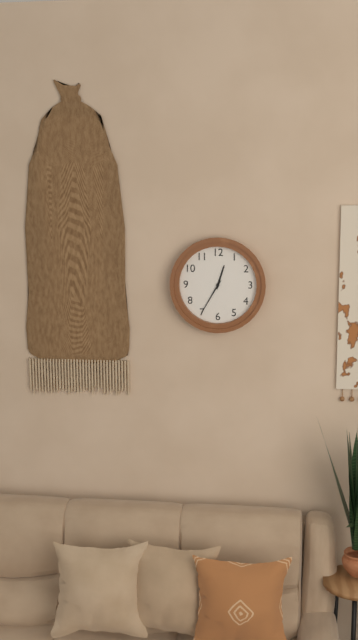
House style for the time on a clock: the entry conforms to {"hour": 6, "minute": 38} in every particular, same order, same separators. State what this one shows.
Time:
{"hour": 12, "minute": 35}
